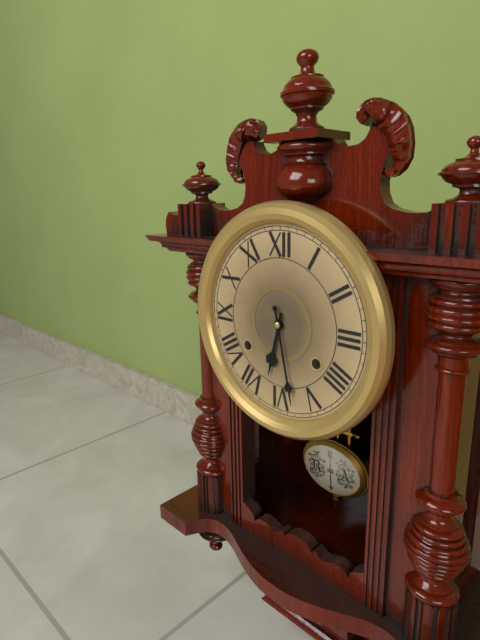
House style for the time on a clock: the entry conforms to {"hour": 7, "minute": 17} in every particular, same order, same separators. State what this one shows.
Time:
{"hour": 6, "minute": 28}
